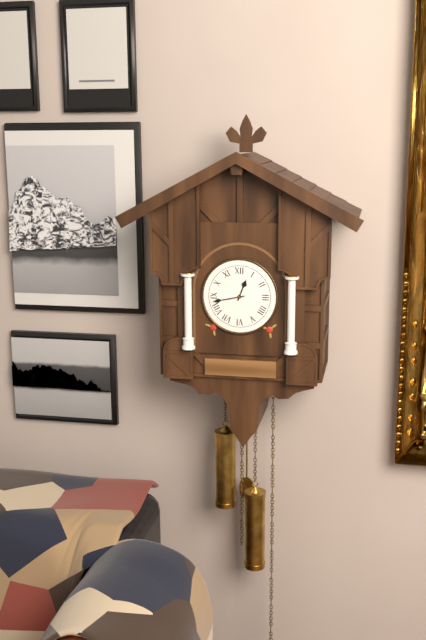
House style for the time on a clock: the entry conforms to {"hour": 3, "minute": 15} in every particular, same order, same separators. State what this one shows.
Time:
{"hour": 12, "minute": 43}
